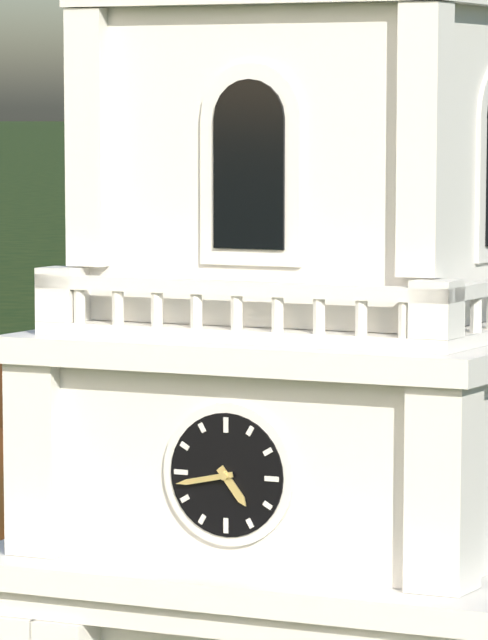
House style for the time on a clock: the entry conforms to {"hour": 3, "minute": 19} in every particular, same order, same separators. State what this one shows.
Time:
{"hour": 4, "minute": 43}
